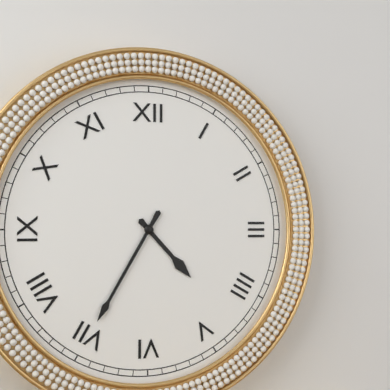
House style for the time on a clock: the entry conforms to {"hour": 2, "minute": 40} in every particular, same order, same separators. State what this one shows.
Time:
{"hour": 4, "minute": 35}
